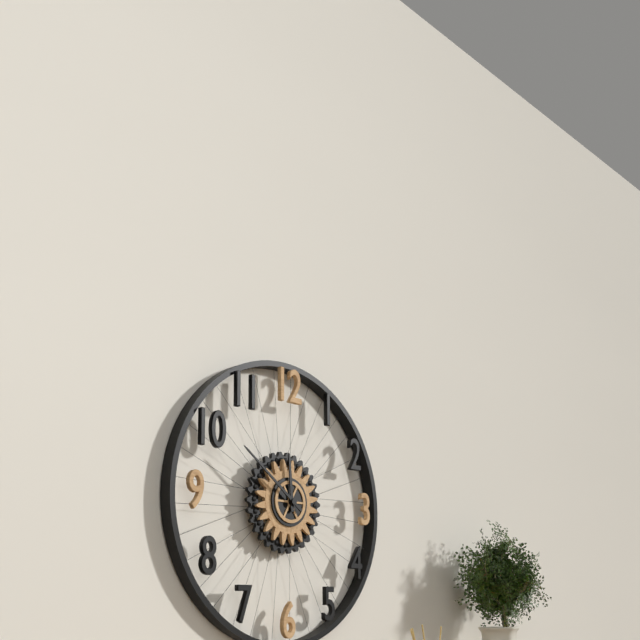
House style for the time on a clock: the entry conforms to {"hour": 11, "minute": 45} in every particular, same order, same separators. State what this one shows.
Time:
{"hour": 11, "minute": 51}
